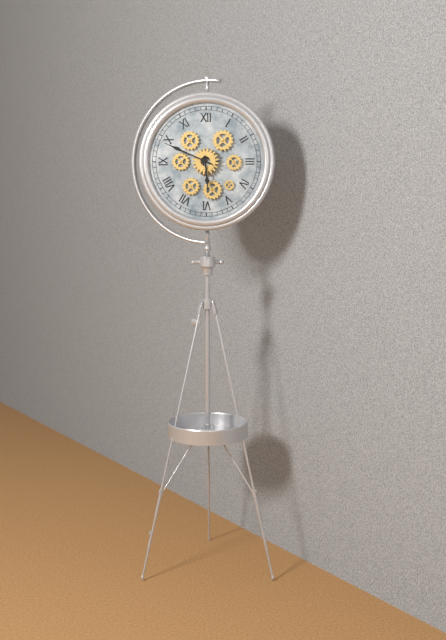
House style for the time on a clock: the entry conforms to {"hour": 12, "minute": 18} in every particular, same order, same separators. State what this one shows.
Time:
{"hour": 5, "minute": 49}
